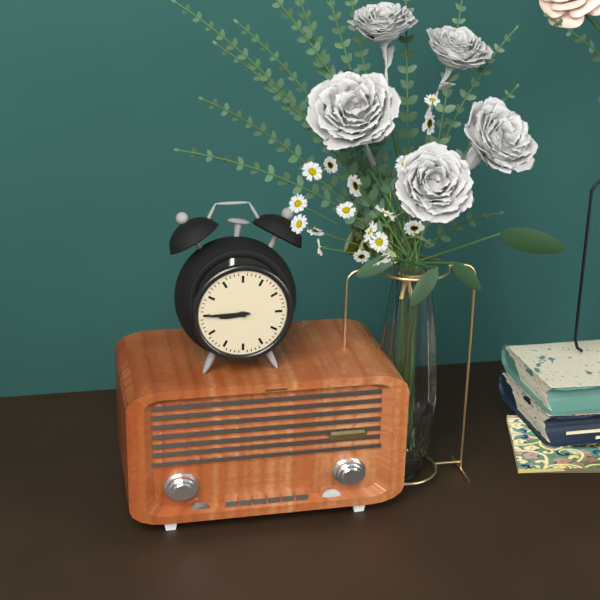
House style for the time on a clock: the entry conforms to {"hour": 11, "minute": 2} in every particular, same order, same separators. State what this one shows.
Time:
{"hour": 8, "minute": 45}
